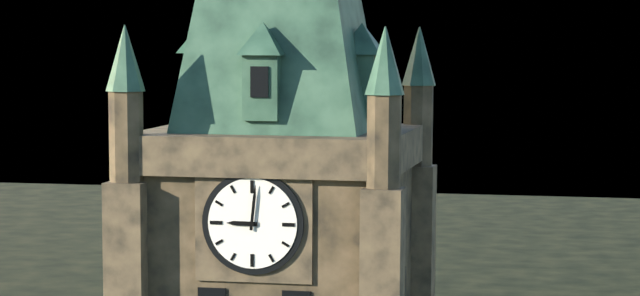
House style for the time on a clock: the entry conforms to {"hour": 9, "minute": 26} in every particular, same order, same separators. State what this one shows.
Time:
{"hour": 9, "minute": 1}
